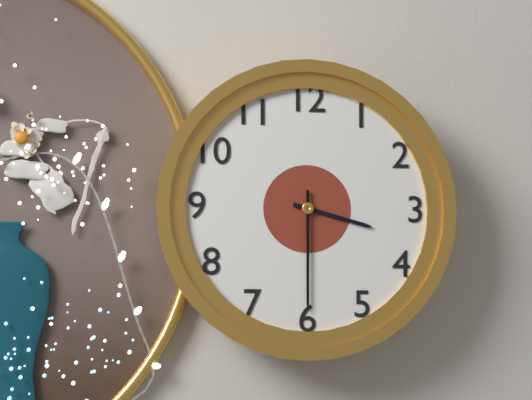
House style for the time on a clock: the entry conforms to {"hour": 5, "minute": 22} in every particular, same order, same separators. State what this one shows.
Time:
{"hour": 3, "minute": 30}
